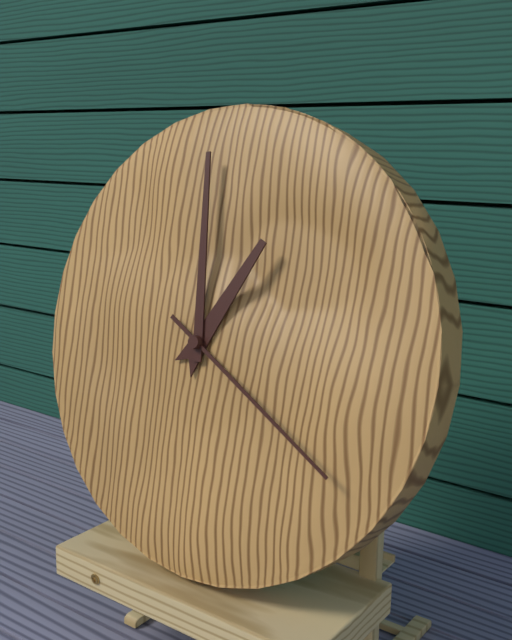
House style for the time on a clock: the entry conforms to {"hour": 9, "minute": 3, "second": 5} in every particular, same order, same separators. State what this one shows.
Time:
{"hour": 12, "minute": 59, "second": 20}
